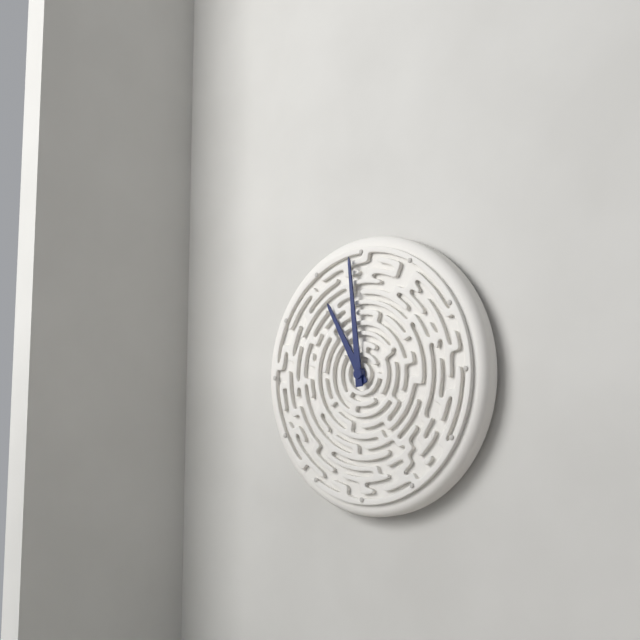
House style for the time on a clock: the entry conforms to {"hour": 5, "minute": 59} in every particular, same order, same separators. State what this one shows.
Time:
{"hour": 10, "minute": 59}
